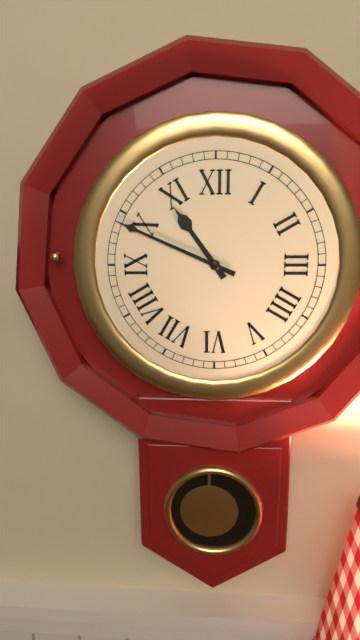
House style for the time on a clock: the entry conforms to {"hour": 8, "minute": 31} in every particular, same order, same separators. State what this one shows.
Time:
{"hour": 10, "minute": 49}
